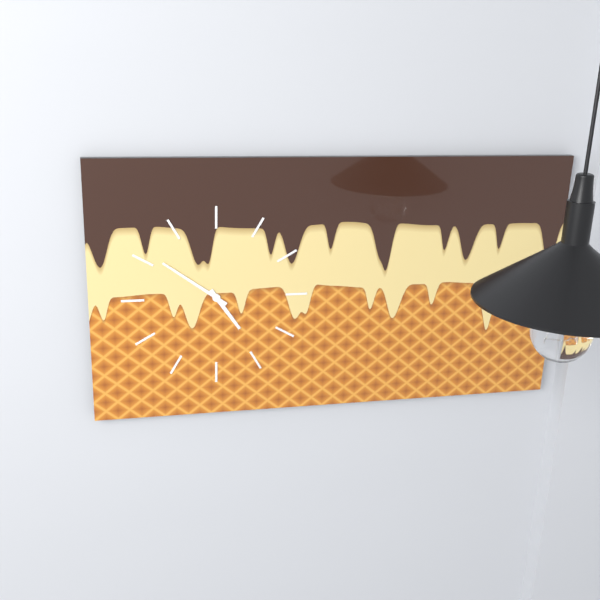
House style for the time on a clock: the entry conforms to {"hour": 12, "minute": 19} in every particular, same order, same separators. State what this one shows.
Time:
{"hour": 4, "minute": 51}
